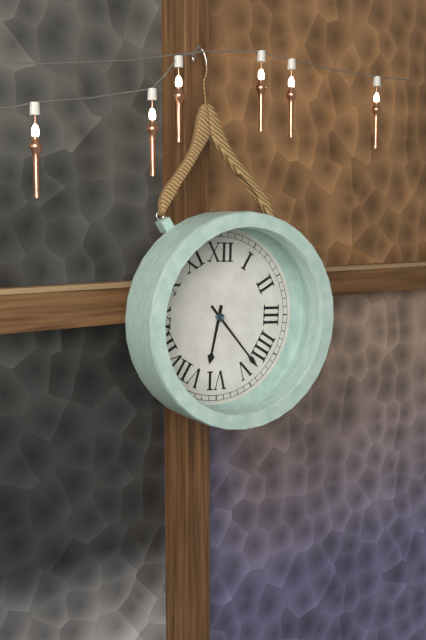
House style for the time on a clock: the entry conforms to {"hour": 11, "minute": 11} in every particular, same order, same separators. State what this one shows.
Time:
{"hour": 6, "minute": 23}
